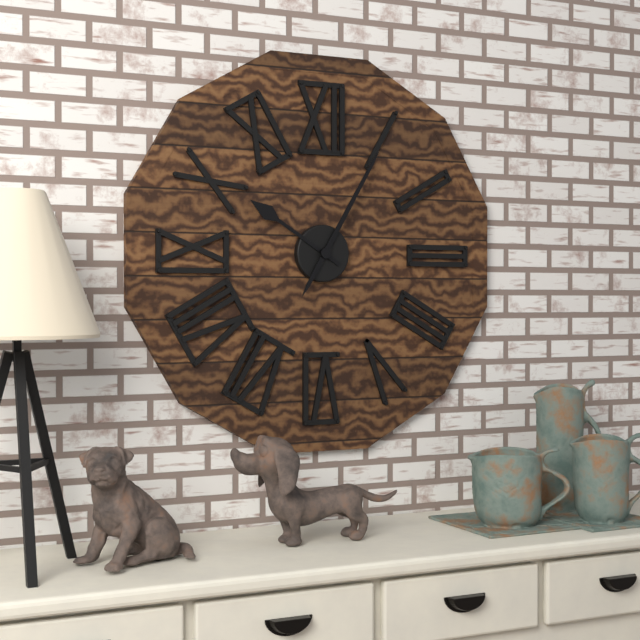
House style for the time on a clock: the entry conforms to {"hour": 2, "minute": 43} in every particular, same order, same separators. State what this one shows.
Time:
{"hour": 10, "minute": 5}
